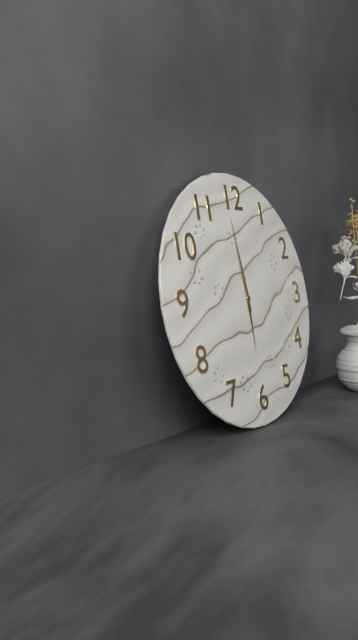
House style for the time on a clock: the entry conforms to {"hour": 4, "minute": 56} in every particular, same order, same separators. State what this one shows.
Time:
{"hour": 5, "minute": 59}
